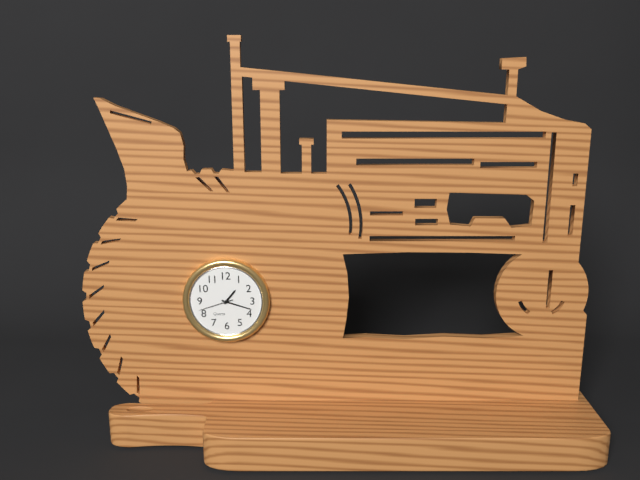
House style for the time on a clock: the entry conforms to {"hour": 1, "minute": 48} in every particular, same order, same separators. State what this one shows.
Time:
{"hour": 1, "minute": 18}
